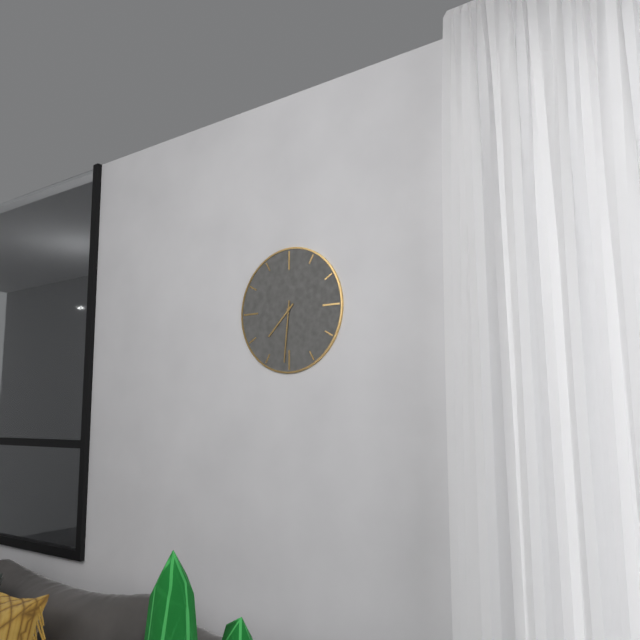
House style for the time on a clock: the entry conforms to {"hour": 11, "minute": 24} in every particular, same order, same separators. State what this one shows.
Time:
{"hour": 7, "minute": 31}
